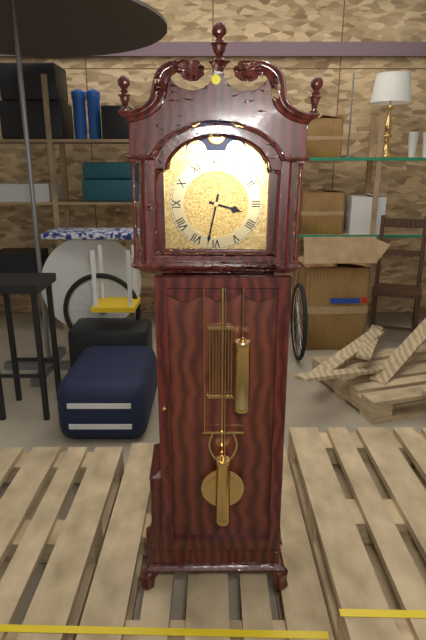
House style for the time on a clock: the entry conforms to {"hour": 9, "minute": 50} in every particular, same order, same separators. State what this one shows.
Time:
{"hour": 3, "minute": 32}
